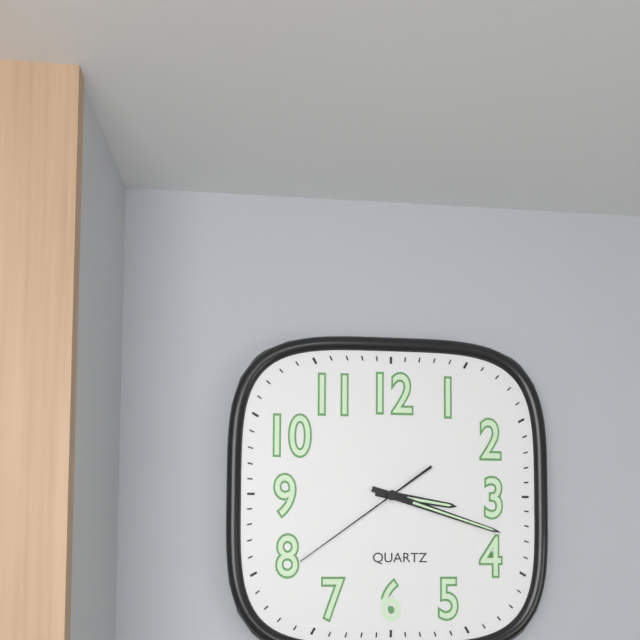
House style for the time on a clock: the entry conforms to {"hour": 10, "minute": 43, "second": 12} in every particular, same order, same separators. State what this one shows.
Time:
{"hour": 3, "minute": 18, "second": 39}
